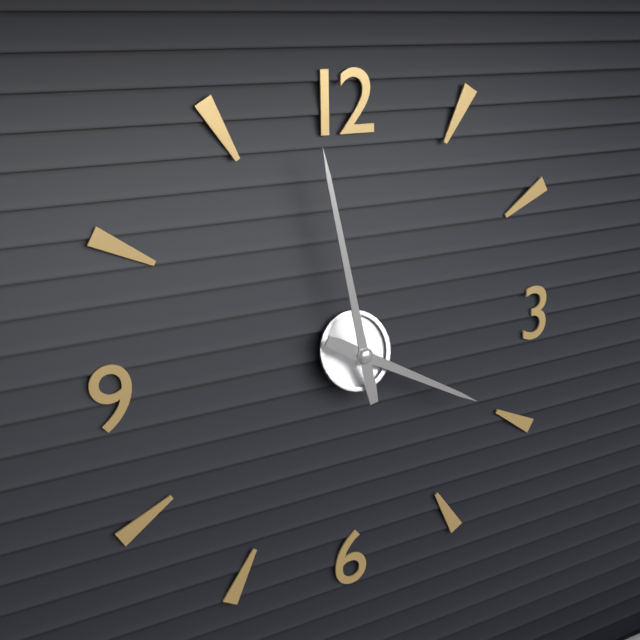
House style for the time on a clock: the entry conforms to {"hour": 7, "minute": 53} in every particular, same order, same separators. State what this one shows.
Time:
{"hour": 3, "minute": 58}
